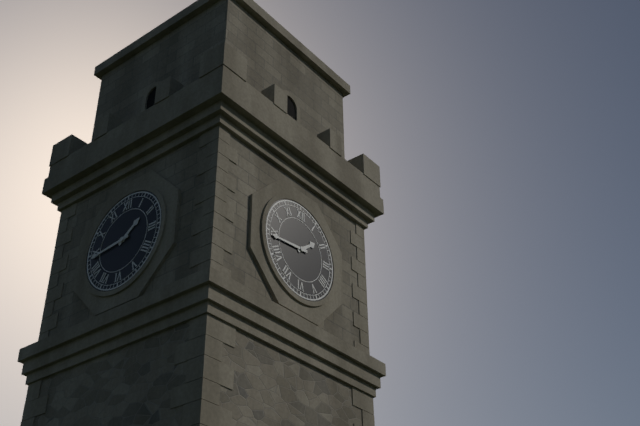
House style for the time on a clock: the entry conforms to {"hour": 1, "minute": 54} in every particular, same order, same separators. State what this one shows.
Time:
{"hour": 1, "minute": 44}
